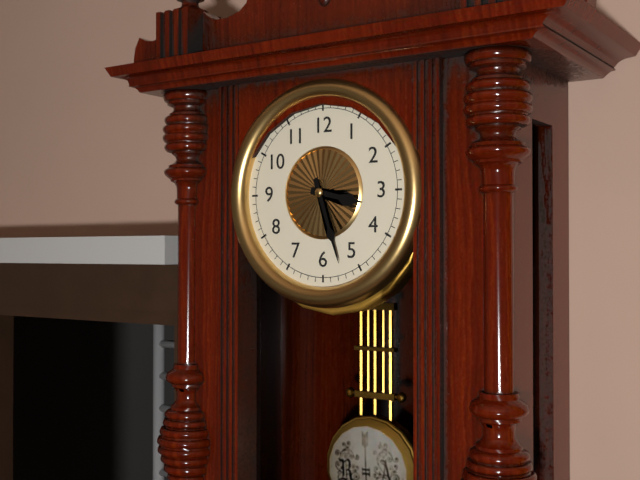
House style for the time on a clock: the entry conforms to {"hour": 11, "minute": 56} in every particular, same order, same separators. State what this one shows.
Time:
{"hour": 3, "minute": 27}
